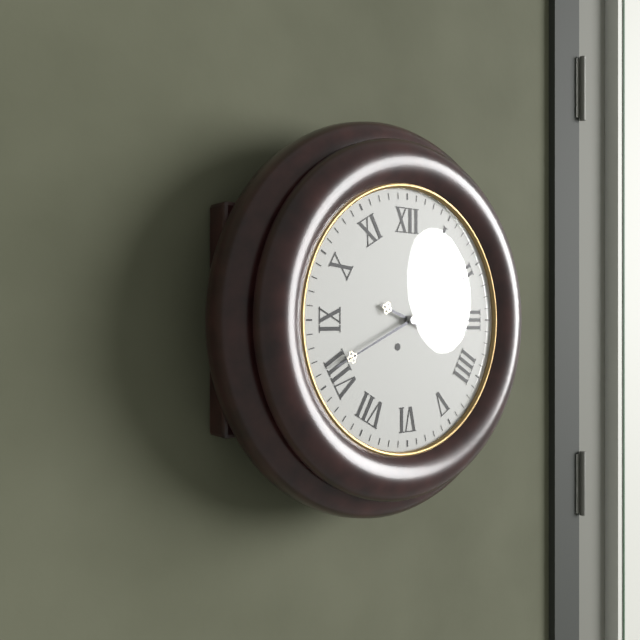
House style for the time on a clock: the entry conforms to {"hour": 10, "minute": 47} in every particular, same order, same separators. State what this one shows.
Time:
{"hour": 3, "minute": 41}
